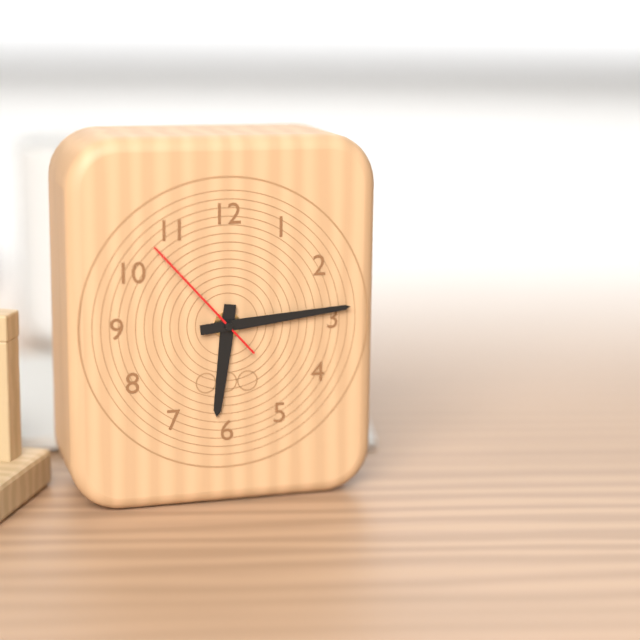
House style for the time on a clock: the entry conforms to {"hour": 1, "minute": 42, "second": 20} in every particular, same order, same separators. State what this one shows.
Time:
{"hour": 6, "minute": 14, "second": 53}
